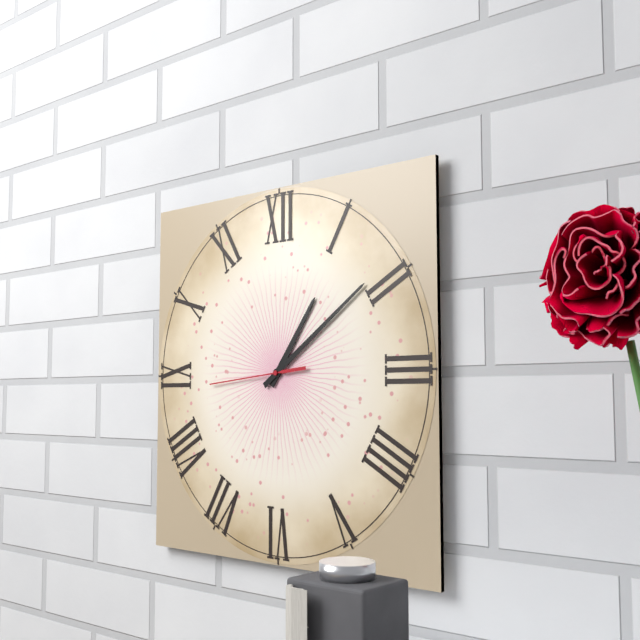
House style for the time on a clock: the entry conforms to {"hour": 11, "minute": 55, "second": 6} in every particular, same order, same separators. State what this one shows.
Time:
{"hour": 1, "minute": 9, "second": 44}
